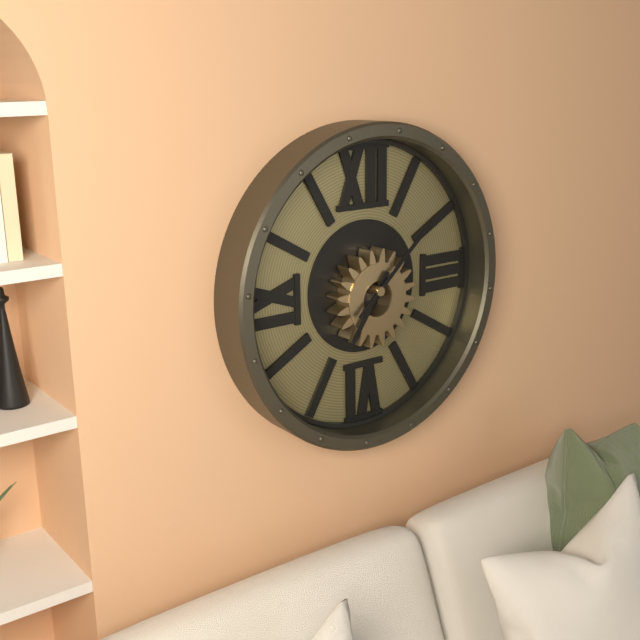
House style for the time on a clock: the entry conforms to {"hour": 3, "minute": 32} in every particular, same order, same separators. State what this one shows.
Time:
{"hour": 7, "minute": 8}
